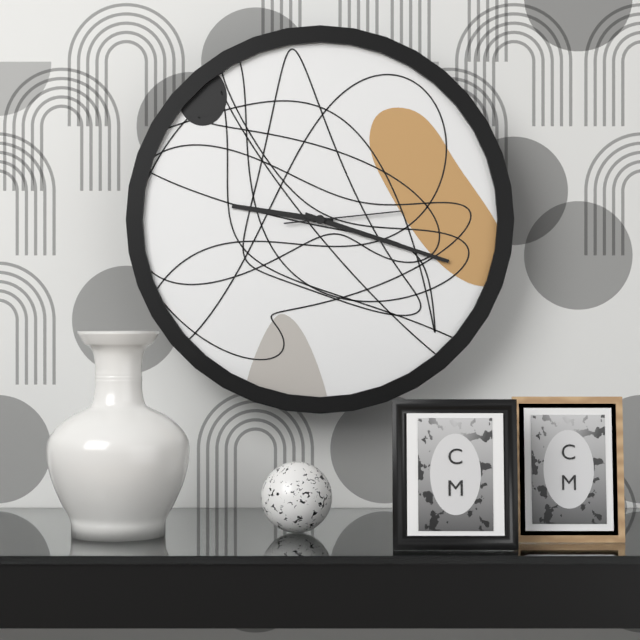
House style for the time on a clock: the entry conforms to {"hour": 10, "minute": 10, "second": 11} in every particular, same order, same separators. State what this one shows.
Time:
{"hour": 9, "minute": 18, "second": 14}
